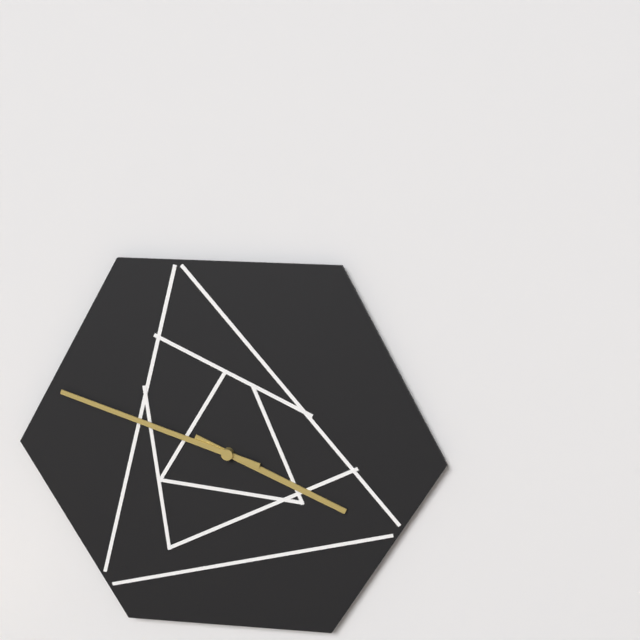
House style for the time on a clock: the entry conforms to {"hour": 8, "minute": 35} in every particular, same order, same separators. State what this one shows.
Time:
{"hour": 3, "minute": 48}
